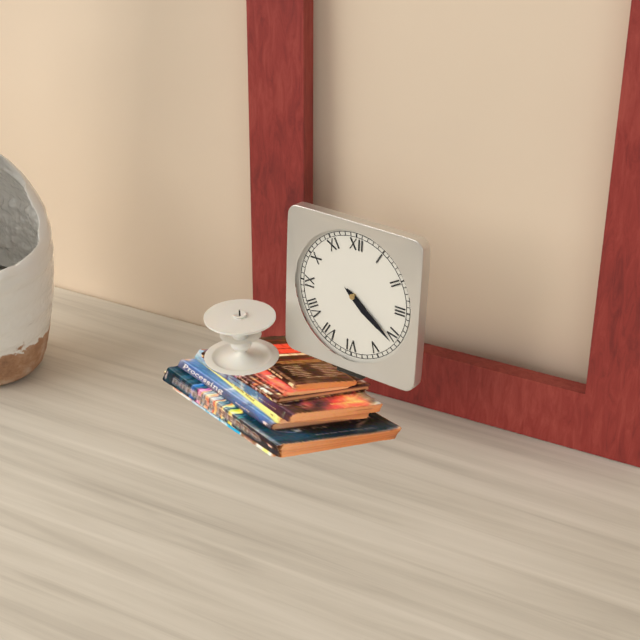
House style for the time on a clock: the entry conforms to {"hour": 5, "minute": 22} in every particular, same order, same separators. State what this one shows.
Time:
{"hour": 4, "minute": 21}
